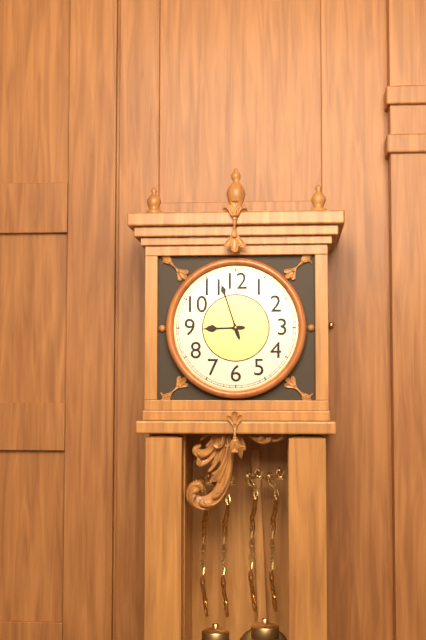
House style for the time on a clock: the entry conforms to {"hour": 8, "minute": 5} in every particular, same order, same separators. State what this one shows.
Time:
{"hour": 8, "minute": 57}
